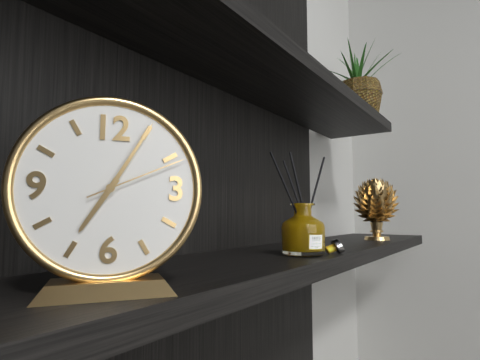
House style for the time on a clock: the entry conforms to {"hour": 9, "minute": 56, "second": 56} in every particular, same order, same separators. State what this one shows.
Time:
{"hour": 7, "minute": 5, "second": 11}
